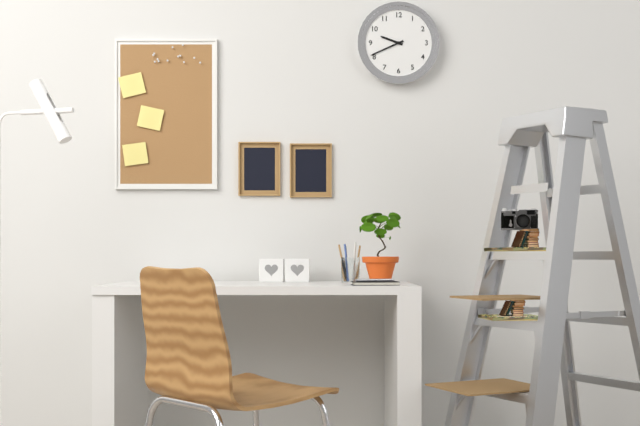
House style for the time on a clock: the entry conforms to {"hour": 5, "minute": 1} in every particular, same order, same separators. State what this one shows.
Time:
{"hour": 9, "minute": 41}
